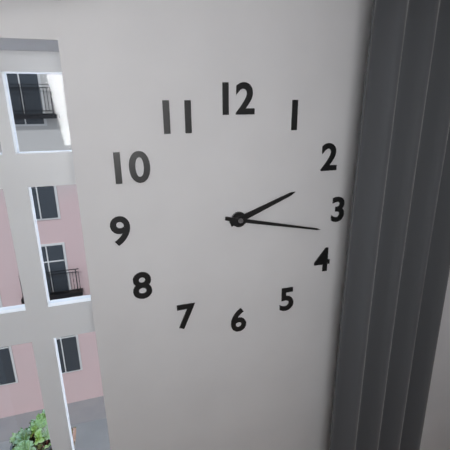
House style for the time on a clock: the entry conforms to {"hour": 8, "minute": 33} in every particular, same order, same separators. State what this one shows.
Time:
{"hour": 2, "minute": 17}
